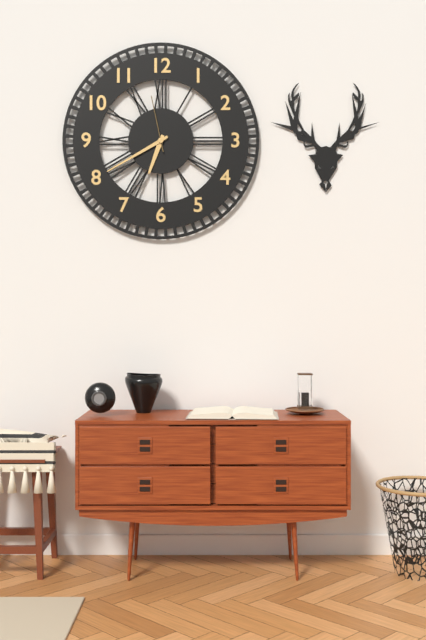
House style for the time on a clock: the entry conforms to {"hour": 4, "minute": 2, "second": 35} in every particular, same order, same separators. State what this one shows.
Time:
{"hour": 6, "minute": 40, "second": 58}
